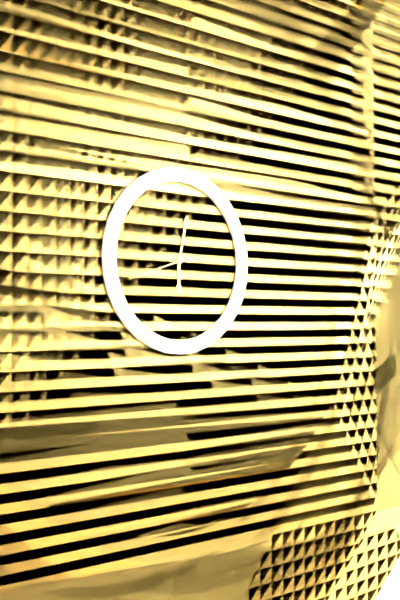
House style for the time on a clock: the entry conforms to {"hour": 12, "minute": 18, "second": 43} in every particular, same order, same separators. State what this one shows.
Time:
{"hour": 6, "minute": 2, "second": 42}
